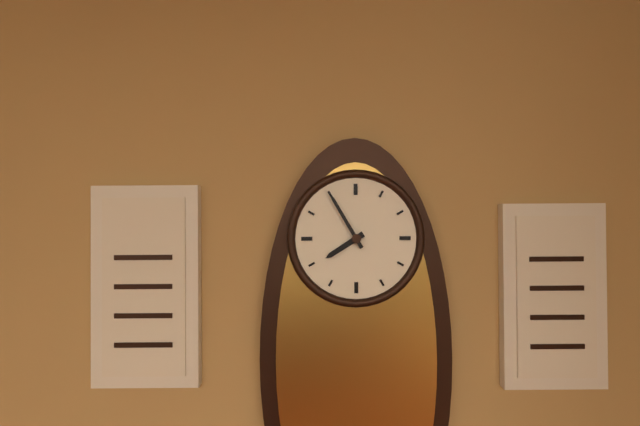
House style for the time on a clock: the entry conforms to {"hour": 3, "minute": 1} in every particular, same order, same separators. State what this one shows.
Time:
{"hour": 7, "minute": 55}
